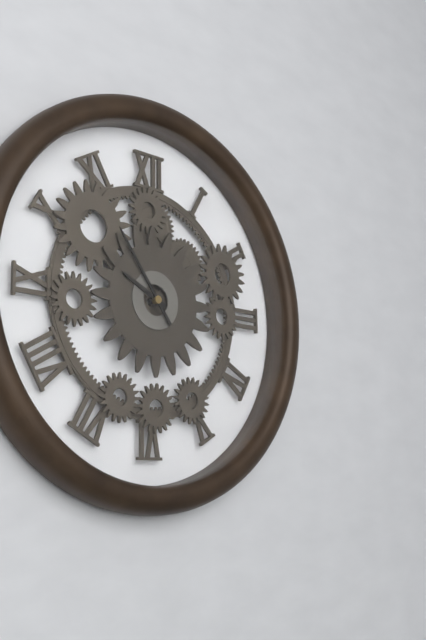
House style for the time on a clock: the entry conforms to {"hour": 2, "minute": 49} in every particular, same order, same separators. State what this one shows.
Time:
{"hour": 9, "minute": 54}
